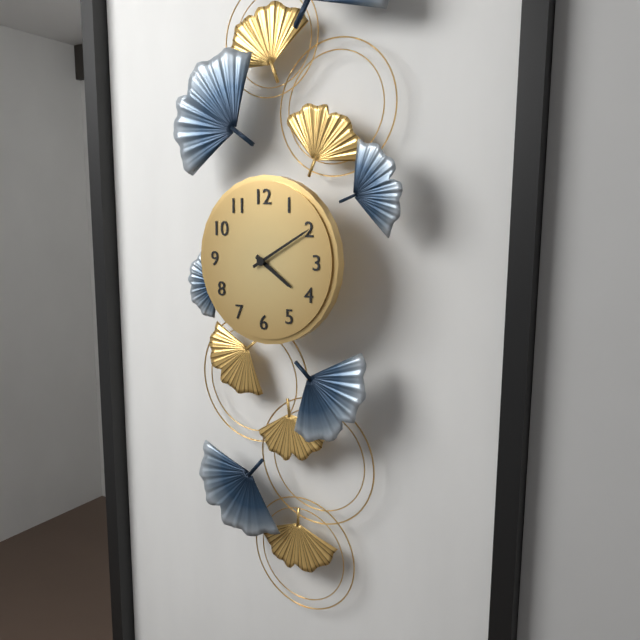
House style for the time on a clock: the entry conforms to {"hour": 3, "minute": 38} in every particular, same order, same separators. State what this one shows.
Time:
{"hour": 4, "minute": 10}
